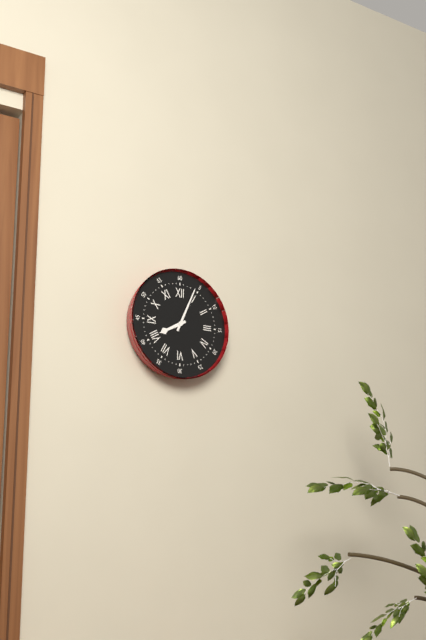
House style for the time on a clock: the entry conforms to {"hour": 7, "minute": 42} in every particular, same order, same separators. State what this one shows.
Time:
{"hour": 8, "minute": 4}
